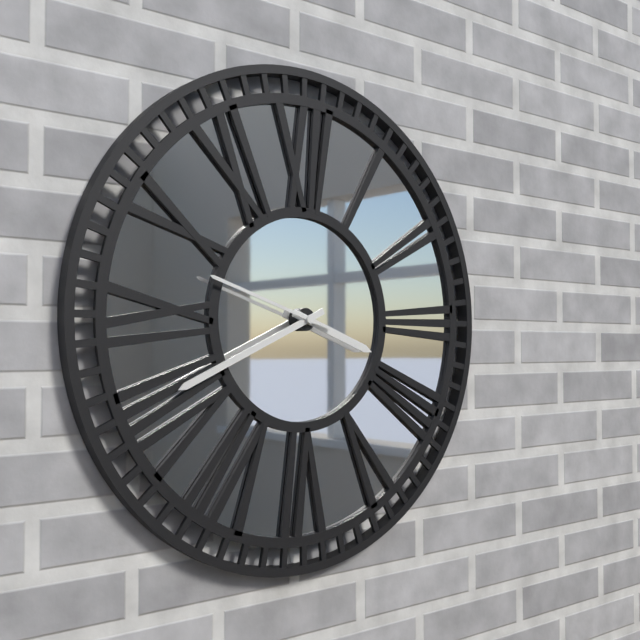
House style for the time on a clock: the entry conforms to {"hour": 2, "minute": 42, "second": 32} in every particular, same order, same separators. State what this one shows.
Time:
{"hour": 3, "minute": 41, "second": 48}
